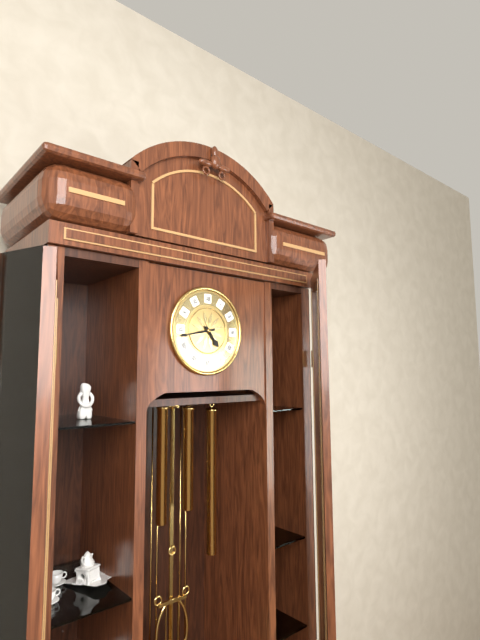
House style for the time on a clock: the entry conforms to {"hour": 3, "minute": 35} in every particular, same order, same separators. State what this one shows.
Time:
{"hour": 4, "minute": 43}
